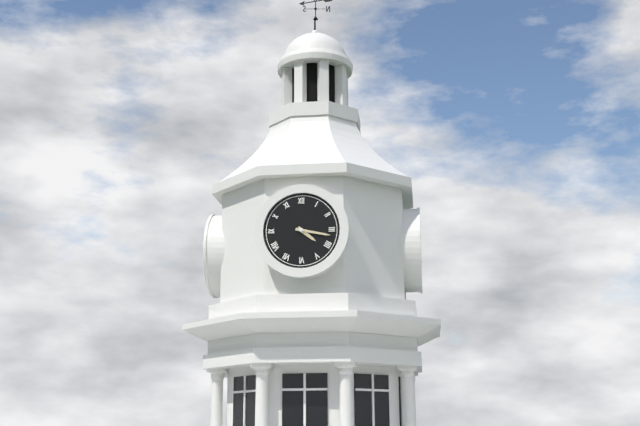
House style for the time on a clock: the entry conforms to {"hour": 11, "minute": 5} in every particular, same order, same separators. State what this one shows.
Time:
{"hour": 4, "minute": 17}
